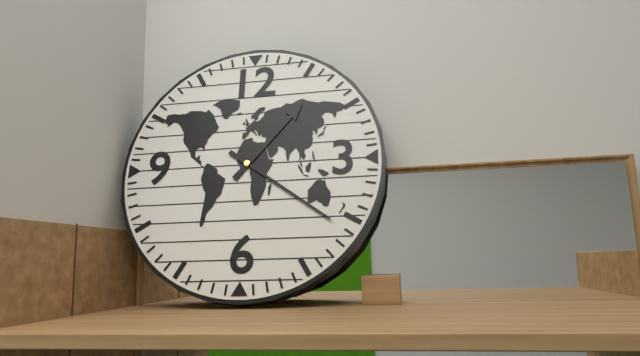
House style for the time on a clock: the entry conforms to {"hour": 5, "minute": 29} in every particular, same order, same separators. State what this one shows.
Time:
{"hour": 1, "minute": 21}
